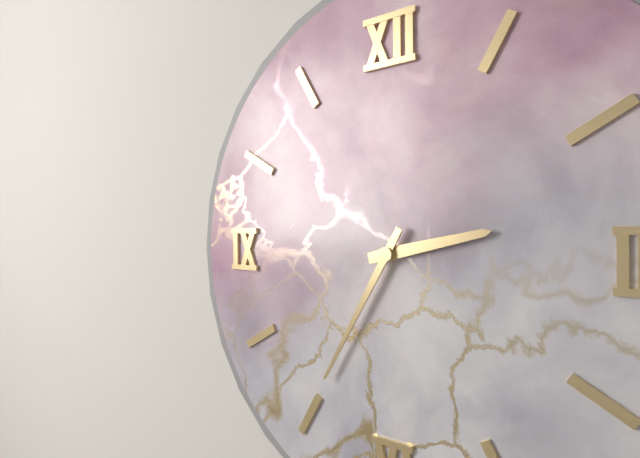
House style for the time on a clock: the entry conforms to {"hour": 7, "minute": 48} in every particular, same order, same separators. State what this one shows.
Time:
{"hour": 2, "minute": 35}
